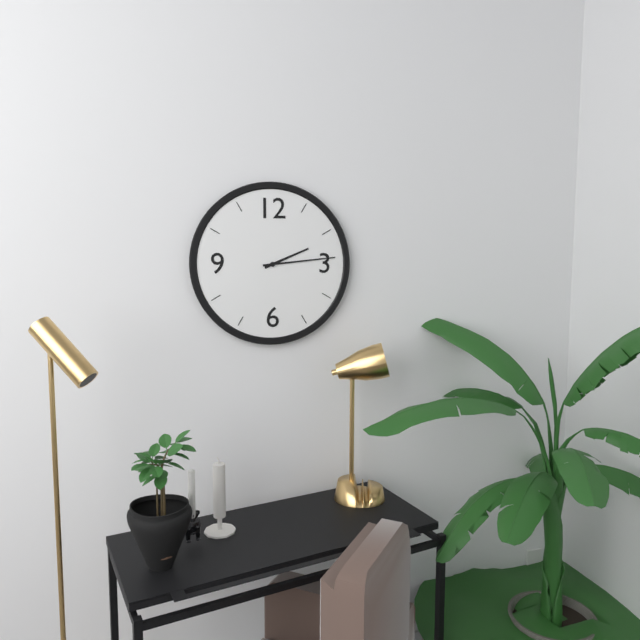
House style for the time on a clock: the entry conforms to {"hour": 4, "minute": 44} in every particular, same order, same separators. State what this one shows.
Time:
{"hour": 2, "minute": 14}
